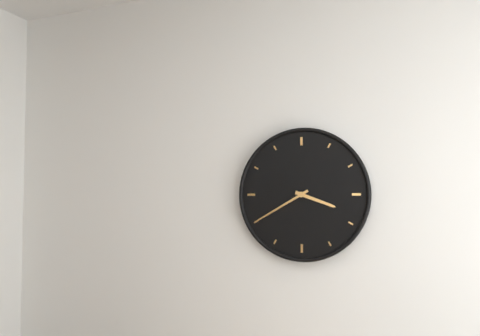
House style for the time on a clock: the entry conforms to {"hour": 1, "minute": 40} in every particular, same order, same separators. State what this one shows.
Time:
{"hour": 3, "minute": 40}
